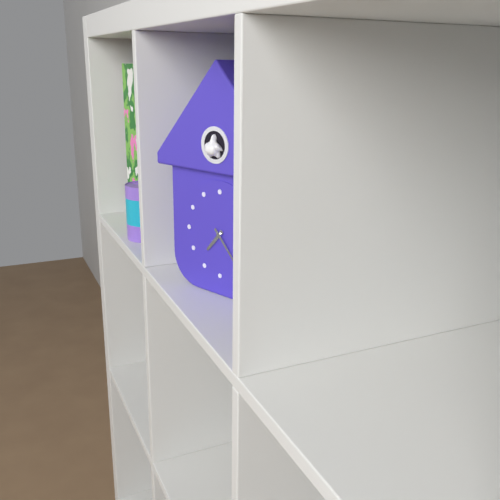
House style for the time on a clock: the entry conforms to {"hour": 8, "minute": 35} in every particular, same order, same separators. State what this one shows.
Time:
{"hour": 7, "minute": 23}
